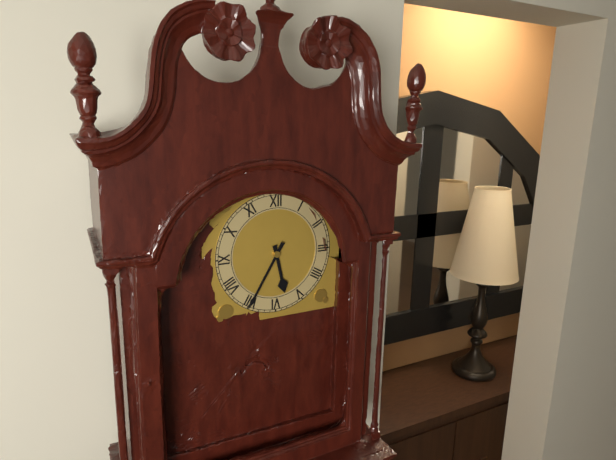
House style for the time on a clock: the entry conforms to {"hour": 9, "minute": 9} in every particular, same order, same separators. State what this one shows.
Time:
{"hour": 5, "minute": 35}
